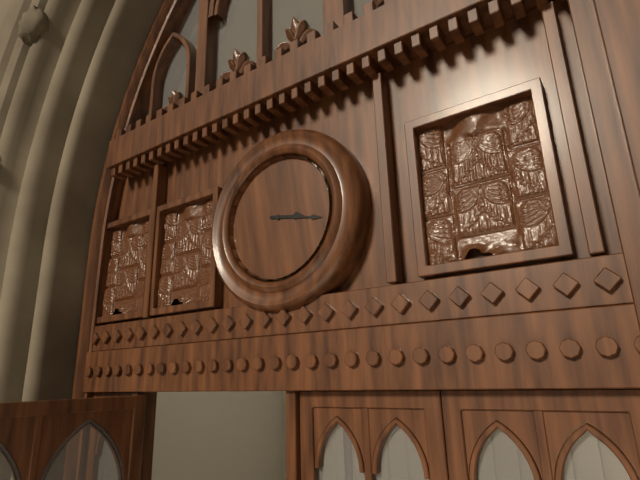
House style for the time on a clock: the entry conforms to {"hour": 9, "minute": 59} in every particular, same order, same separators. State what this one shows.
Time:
{"hour": 3, "minute": 17}
